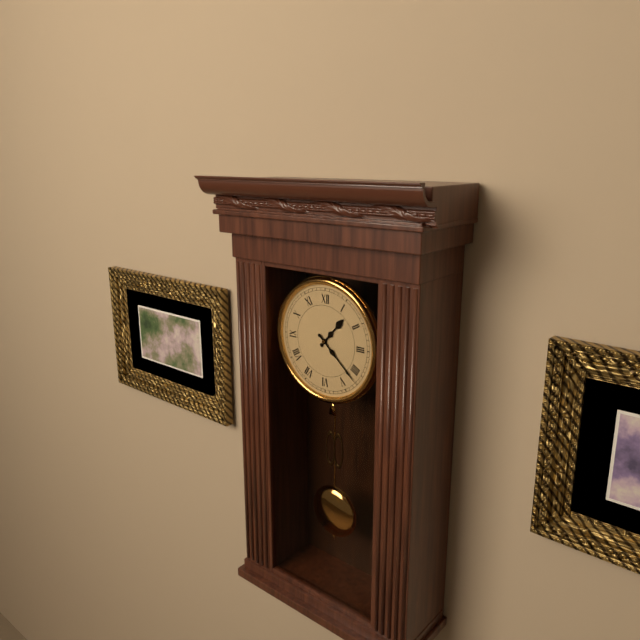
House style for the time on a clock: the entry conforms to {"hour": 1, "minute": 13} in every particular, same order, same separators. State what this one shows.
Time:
{"hour": 1, "minute": 22}
